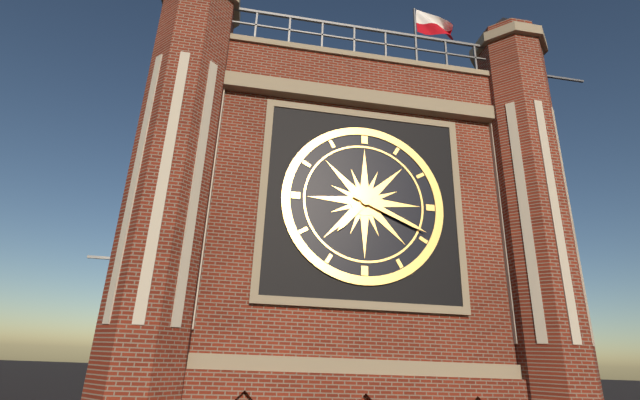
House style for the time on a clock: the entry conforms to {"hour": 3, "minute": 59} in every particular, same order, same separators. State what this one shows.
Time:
{"hour": 7, "minute": 19}
